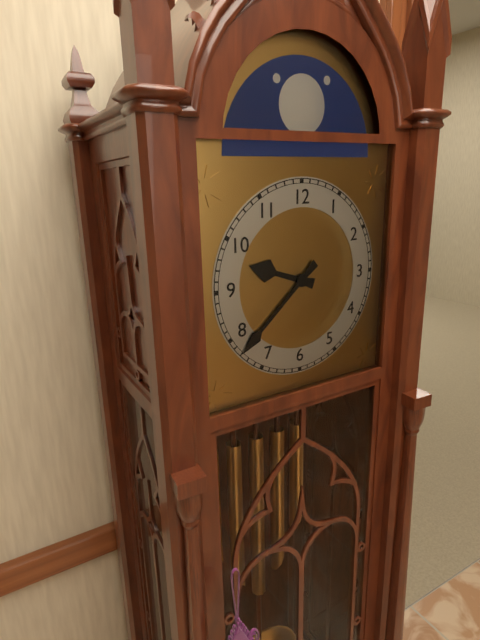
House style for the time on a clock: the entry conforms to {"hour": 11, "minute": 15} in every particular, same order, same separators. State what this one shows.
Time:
{"hour": 9, "minute": 38}
